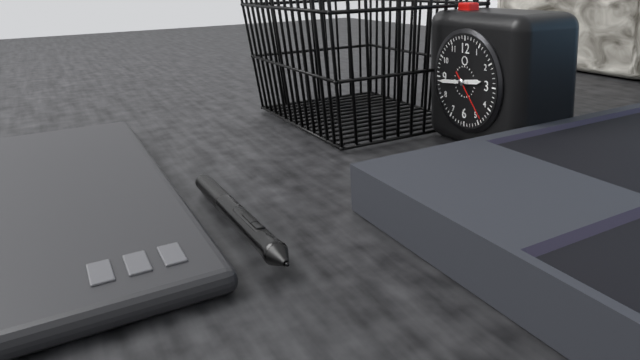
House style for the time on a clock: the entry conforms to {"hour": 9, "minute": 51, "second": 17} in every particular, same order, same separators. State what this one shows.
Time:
{"hour": 2, "minute": 44, "second": 23}
